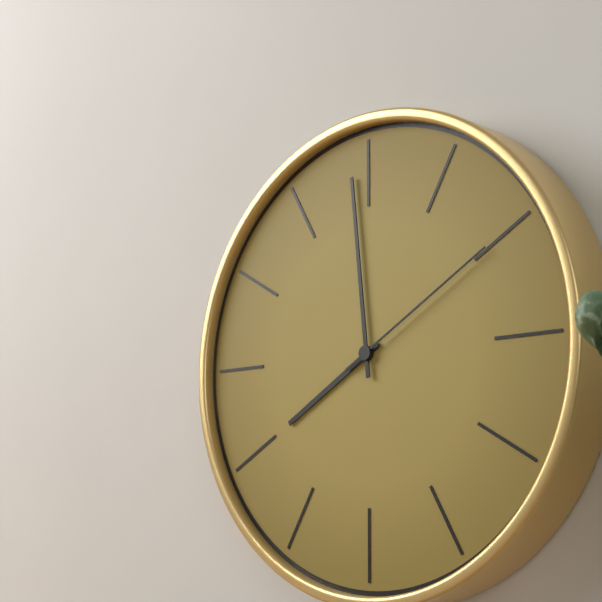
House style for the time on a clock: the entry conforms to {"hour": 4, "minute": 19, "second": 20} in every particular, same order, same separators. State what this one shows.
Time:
{"hour": 7, "minute": 59, "second": 10}
